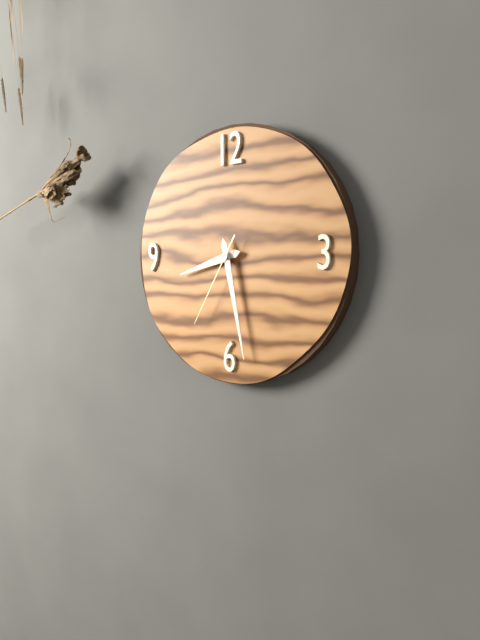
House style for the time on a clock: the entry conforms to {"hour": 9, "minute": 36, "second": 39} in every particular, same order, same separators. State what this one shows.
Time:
{"hour": 8, "minute": 28, "second": 35}
